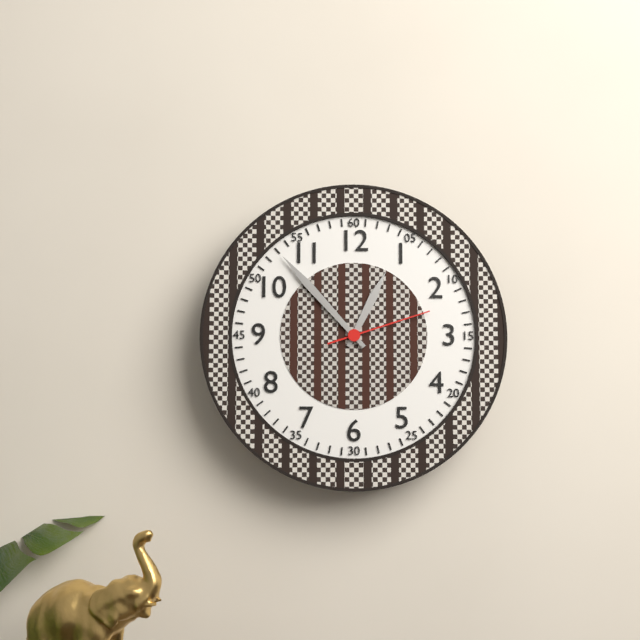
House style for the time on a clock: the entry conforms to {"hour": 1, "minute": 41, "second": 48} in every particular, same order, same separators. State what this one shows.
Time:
{"hour": 12, "minute": 53, "second": 12}
